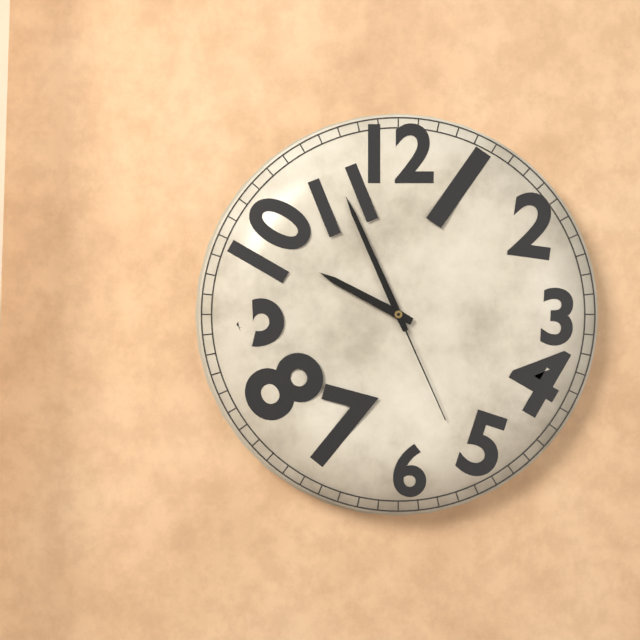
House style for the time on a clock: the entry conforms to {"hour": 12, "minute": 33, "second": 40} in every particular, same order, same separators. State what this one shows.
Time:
{"hour": 9, "minute": 56, "second": 26}
